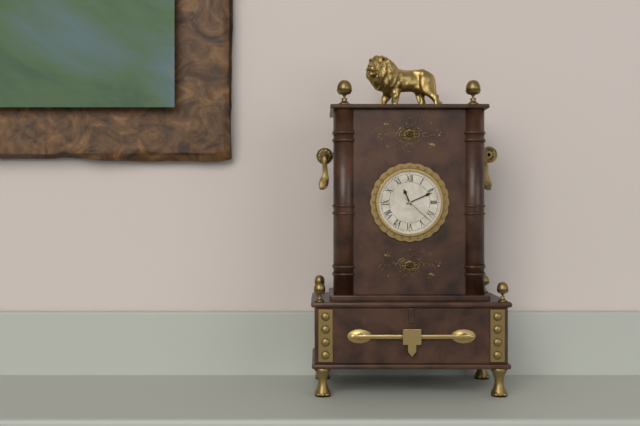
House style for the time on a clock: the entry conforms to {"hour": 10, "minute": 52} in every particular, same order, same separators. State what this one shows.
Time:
{"hour": 11, "minute": 11}
